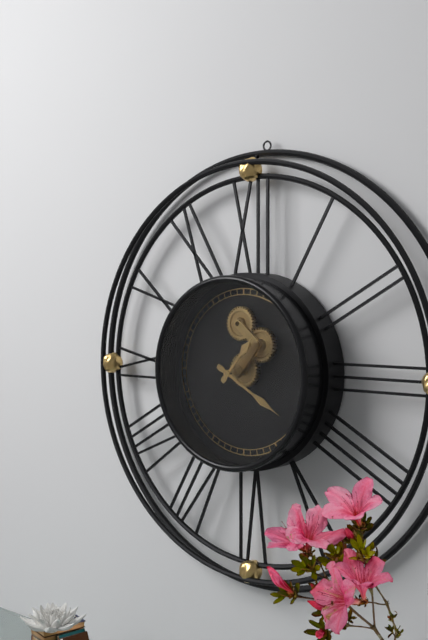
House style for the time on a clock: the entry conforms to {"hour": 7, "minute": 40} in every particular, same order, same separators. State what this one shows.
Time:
{"hour": 1, "minute": 20}
